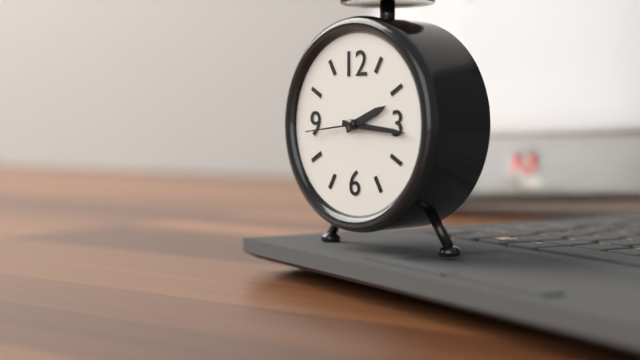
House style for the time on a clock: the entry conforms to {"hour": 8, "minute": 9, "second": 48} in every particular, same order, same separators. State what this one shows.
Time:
{"hour": 2, "minute": 16, "second": 44}
